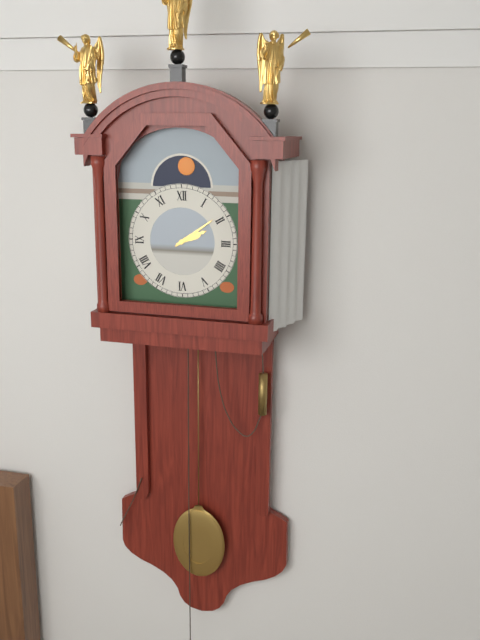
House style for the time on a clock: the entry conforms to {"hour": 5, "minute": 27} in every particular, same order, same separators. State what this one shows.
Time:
{"hour": 2, "minute": 9}
